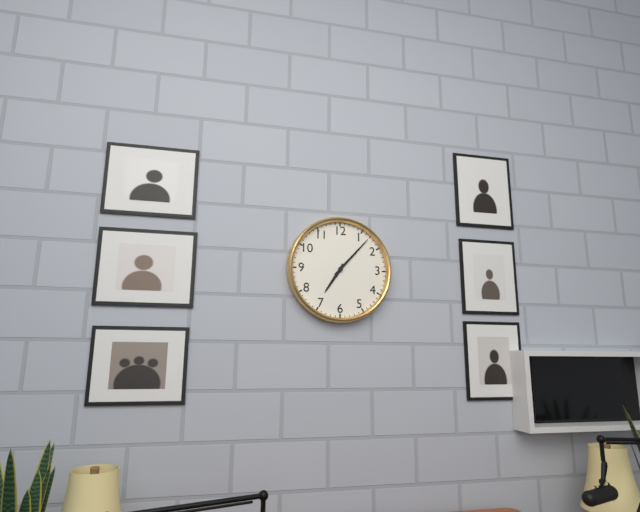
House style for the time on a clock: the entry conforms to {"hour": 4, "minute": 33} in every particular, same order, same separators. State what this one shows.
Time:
{"hour": 7, "minute": 7}
